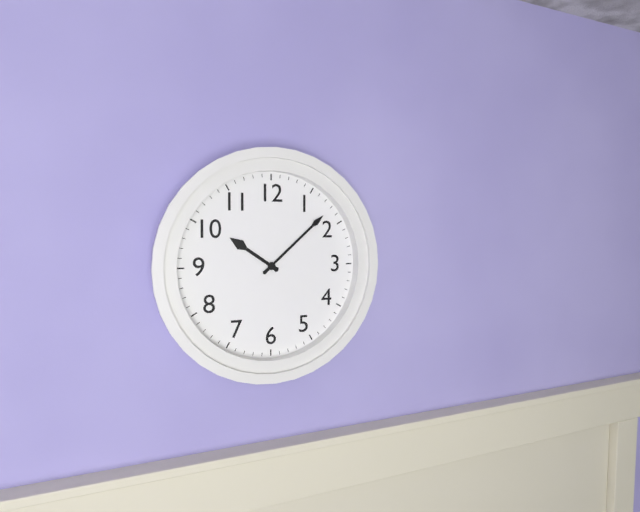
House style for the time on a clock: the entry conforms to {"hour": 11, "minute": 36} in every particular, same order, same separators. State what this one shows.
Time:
{"hour": 10, "minute": 8}
